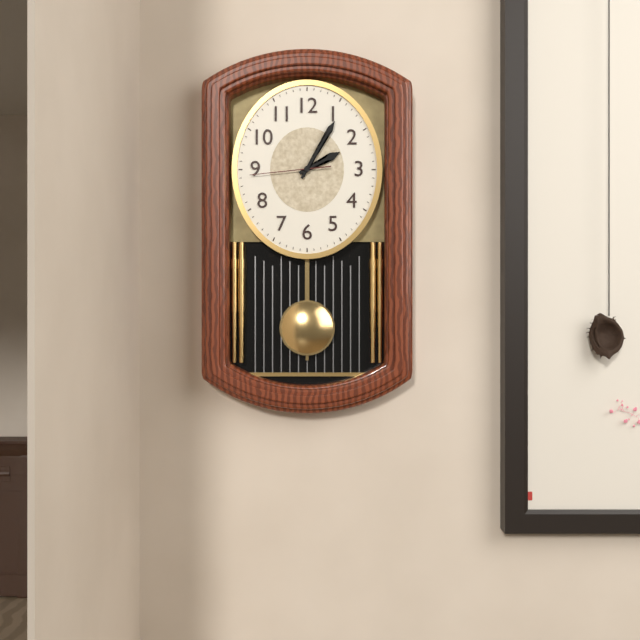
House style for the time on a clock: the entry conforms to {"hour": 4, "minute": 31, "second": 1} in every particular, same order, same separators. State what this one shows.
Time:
{"hour": 2, "minute": 5, "second": 44}
